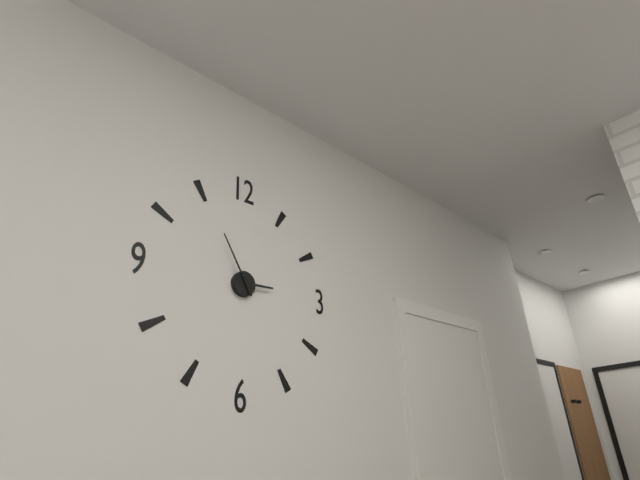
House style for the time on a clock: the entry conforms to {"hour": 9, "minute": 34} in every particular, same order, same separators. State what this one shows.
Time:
{"hour": 2, "minute": 55}
